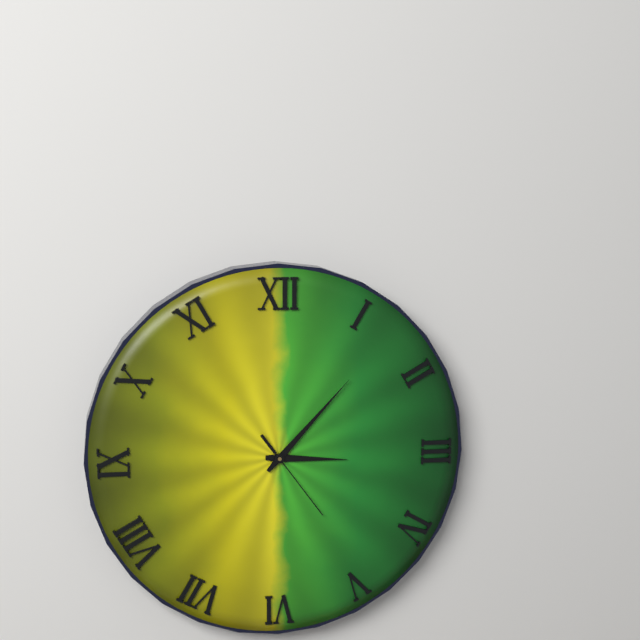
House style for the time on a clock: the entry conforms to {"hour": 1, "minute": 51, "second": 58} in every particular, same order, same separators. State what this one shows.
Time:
{"hour": 3, "minute": 7, "second": 24}
